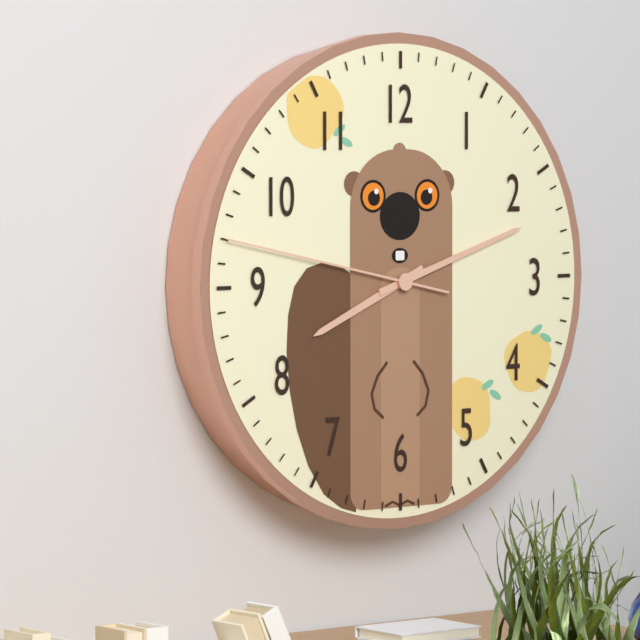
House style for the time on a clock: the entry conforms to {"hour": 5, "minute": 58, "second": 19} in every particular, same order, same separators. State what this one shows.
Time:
{"hour": 8, "minute": 12, "second": 47}
